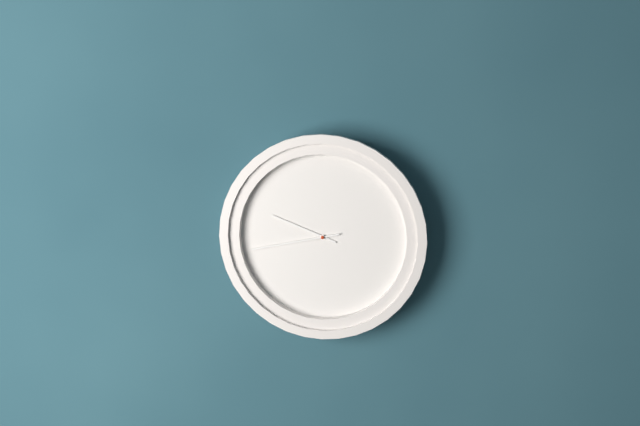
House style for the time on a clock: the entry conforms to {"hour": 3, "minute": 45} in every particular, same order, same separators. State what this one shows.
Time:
{"hour": 9, "minute": 43}
